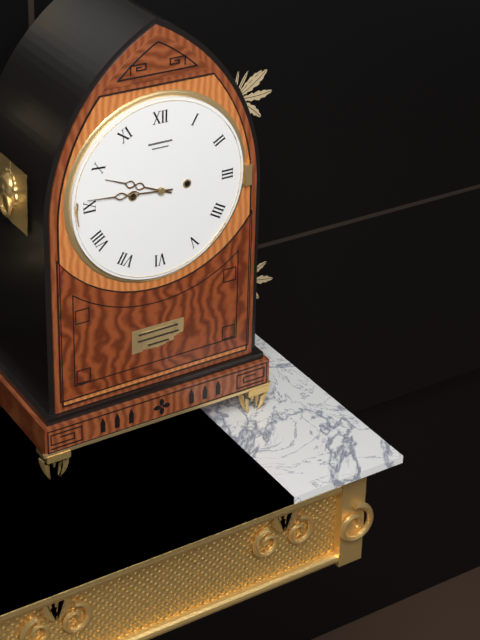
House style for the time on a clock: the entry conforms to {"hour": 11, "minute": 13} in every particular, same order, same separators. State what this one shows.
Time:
{"hour": 9, "minute": 46}
